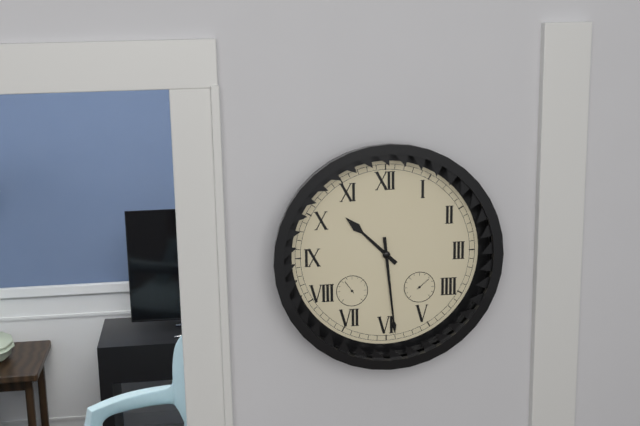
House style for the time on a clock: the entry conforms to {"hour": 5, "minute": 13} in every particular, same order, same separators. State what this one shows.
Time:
{"hour": 10, "minute": 29}
